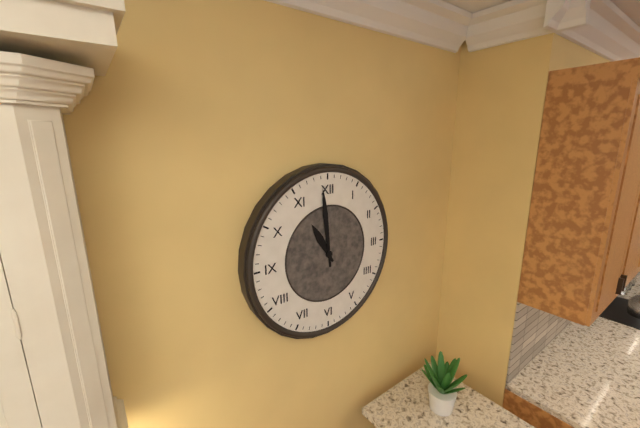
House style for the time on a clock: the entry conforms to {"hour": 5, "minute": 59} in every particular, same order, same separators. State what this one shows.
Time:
{"hour": 10, "minute": 59}
